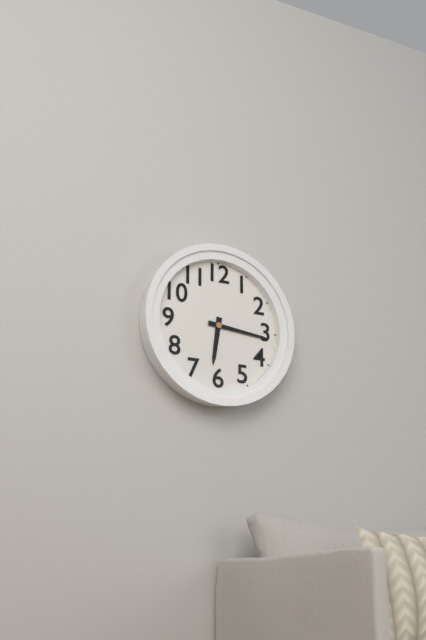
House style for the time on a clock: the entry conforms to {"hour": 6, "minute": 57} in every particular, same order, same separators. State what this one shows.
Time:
{"hour": 6, "minute": 16}
